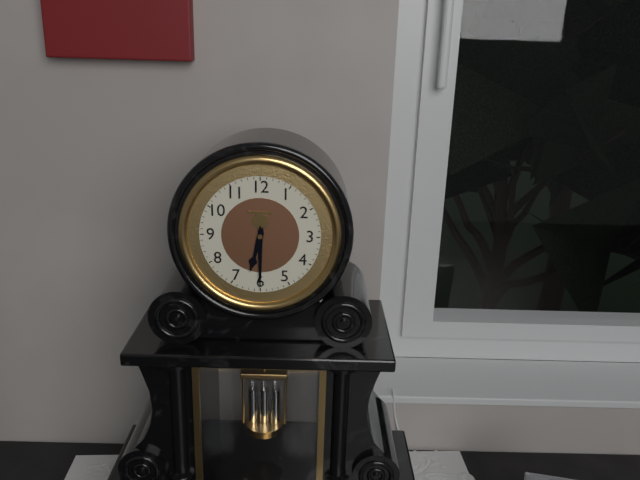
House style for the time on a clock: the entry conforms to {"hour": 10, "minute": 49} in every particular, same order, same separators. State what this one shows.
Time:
{"hour": 6, "minute": 30}
